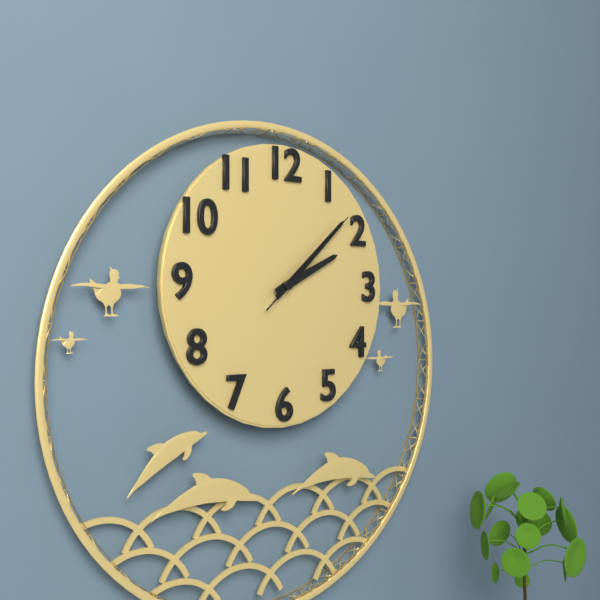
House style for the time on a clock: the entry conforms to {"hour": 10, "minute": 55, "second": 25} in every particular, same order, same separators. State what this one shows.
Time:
{"hour": 2, "minute": 8, "second": 8}
